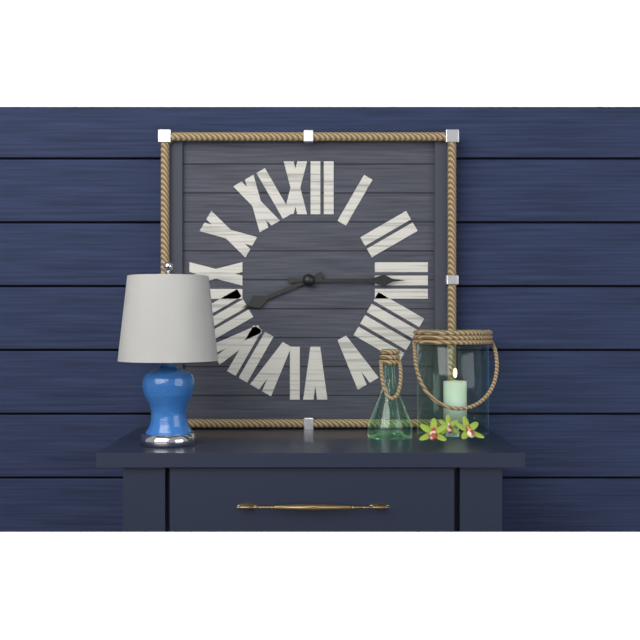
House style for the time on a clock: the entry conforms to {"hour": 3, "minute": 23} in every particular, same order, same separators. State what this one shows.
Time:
{"hour": 8, "minute": 15}
